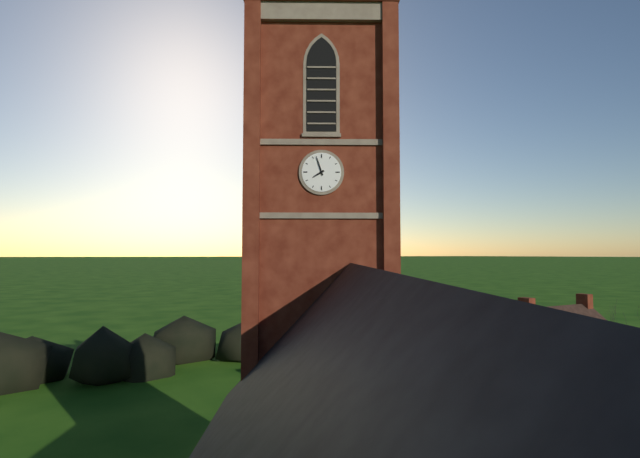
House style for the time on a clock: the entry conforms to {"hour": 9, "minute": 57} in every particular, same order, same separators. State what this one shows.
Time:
{"hour": 7, "minute": 57}
